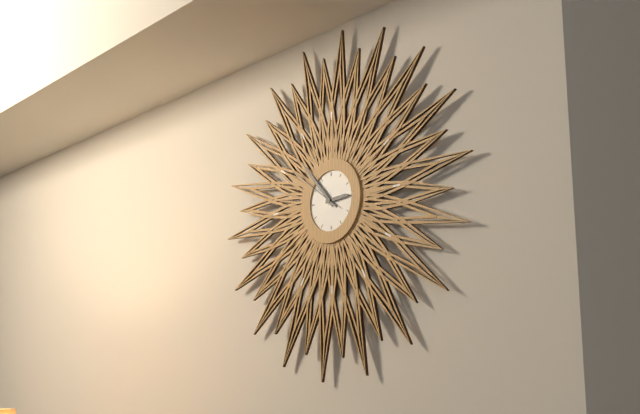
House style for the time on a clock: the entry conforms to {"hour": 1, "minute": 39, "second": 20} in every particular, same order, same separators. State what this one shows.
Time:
{"hour": 2, "minute": 53, "second": 51}
